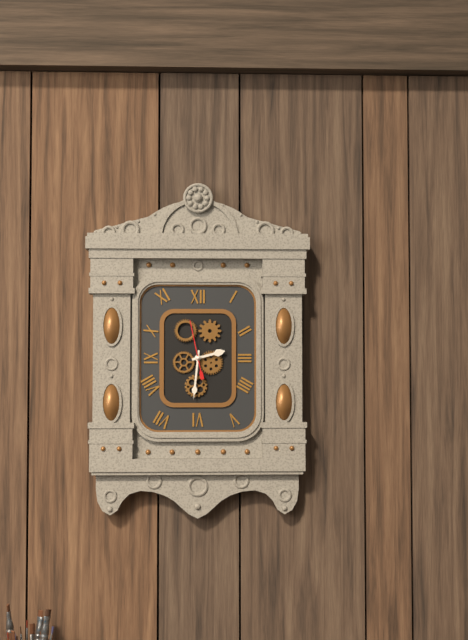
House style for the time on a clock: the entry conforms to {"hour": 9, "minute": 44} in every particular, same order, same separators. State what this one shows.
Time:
{"hour": 2, "minute": 31}
